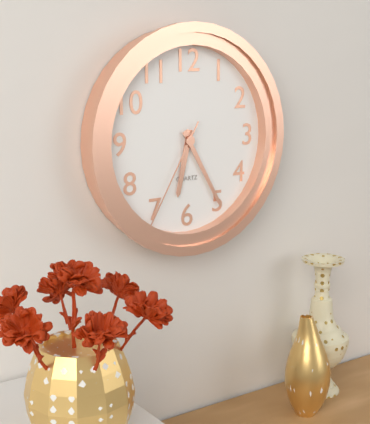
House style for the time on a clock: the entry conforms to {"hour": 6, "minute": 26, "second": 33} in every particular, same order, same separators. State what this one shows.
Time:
{"hour": 6, "minute": 25, "second": 35}
